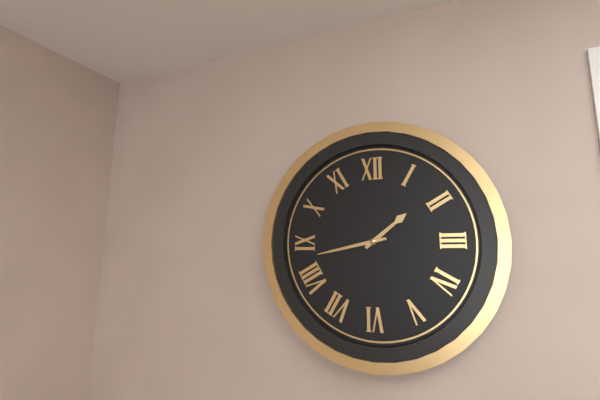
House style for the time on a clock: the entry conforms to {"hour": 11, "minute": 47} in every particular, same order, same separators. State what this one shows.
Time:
{"hour": 1, "minute": 43}
